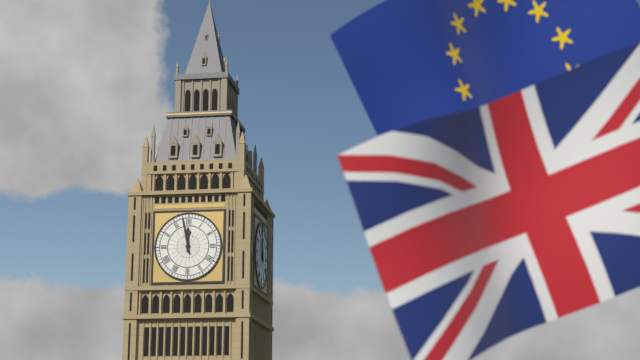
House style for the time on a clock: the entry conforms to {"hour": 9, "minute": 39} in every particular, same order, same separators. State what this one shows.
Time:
{"hour": 11, "minute": 58}
